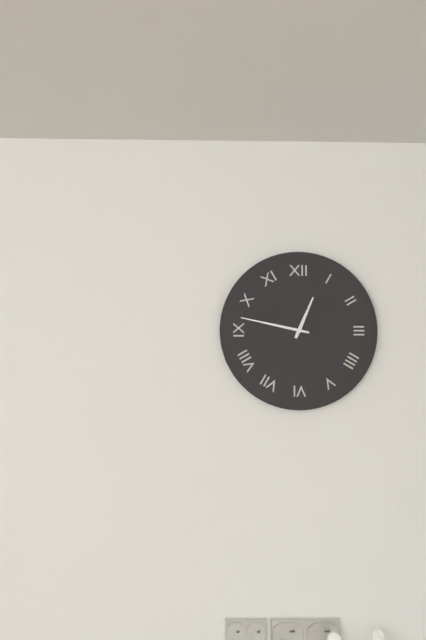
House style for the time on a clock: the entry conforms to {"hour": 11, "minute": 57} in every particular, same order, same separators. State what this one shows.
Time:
{"hour": 12, "minute": 47}
